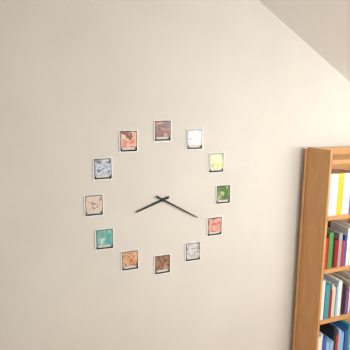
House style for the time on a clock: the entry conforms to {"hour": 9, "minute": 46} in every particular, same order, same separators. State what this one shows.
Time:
{"hour": 8, "minute": 20}
